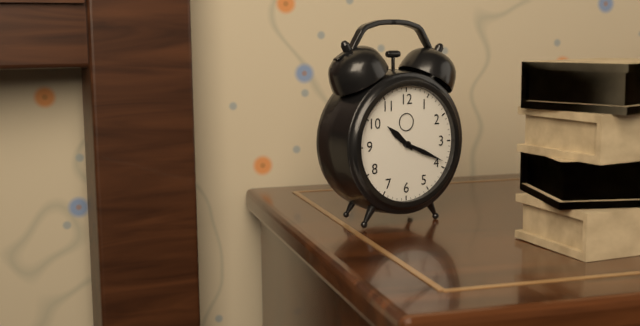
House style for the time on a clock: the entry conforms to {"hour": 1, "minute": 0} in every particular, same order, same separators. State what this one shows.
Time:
{"hour": 10, "minute": 19}
